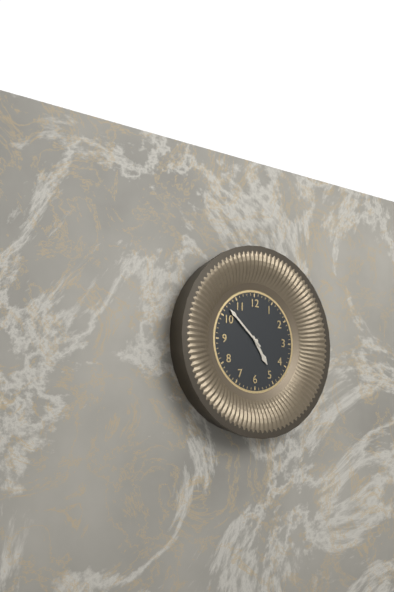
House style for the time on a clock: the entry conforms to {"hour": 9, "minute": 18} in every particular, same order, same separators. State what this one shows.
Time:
{"hour": 4, "minute": 52}
